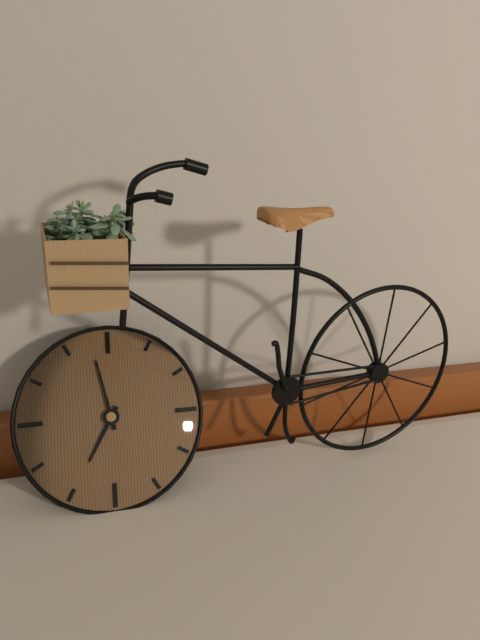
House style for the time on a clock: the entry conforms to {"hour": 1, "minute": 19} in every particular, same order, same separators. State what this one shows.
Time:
{"hour": 6, "minute": 58}
